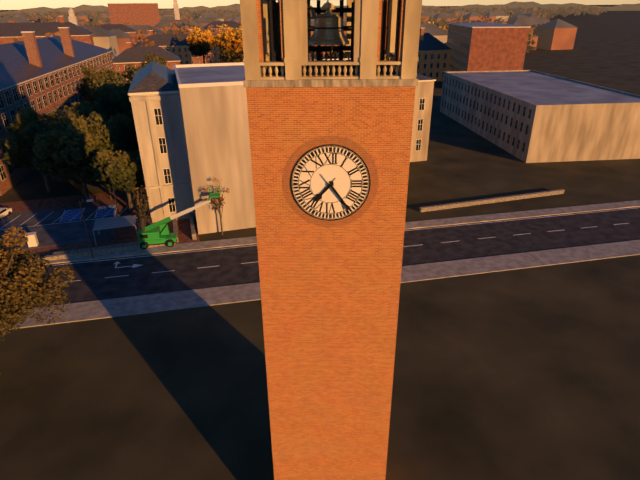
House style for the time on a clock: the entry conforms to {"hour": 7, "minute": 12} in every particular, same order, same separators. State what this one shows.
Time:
{"hour": 7, "minute": 24}
